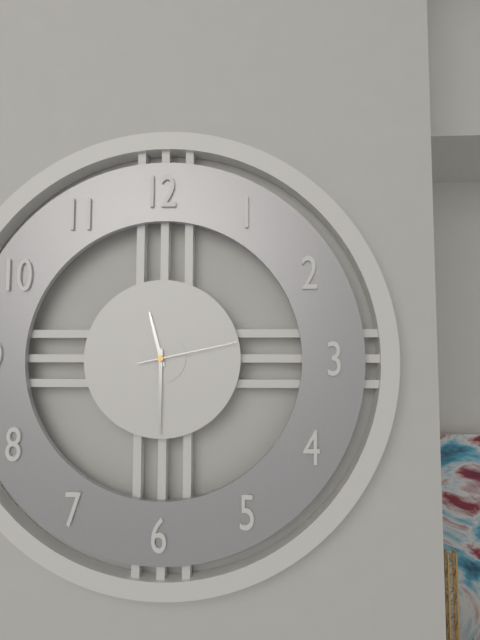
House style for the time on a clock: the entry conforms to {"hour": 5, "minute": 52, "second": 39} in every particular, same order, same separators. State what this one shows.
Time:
{"hour": 11, "minute": 30, "second": 13}
